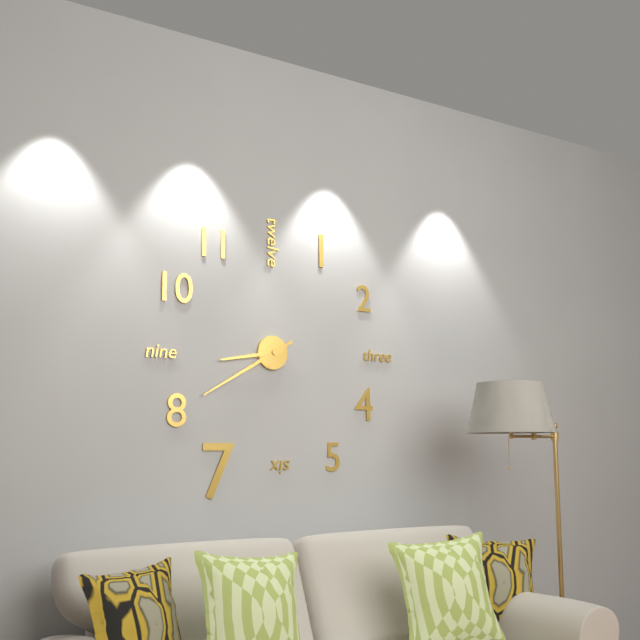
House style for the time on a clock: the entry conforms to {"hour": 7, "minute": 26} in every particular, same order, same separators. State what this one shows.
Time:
{"hour": 8, "minute": 40}
